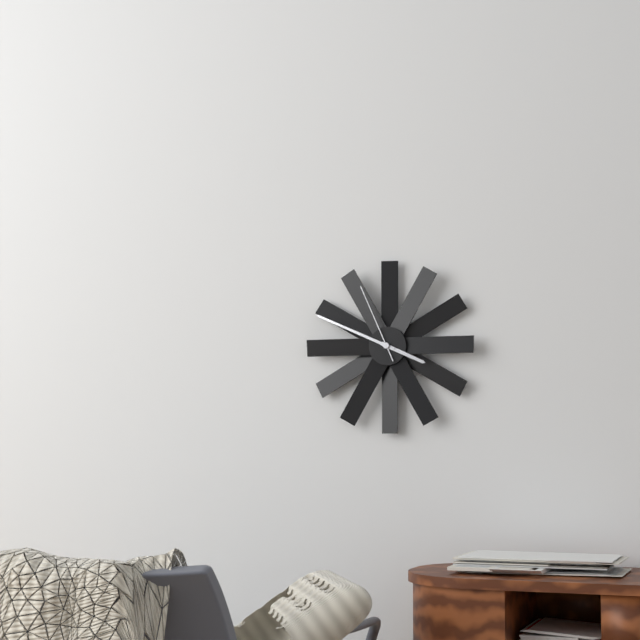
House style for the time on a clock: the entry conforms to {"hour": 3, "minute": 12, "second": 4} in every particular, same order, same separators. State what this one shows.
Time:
{"hour": 3, "minute": 49, "second": 56}
